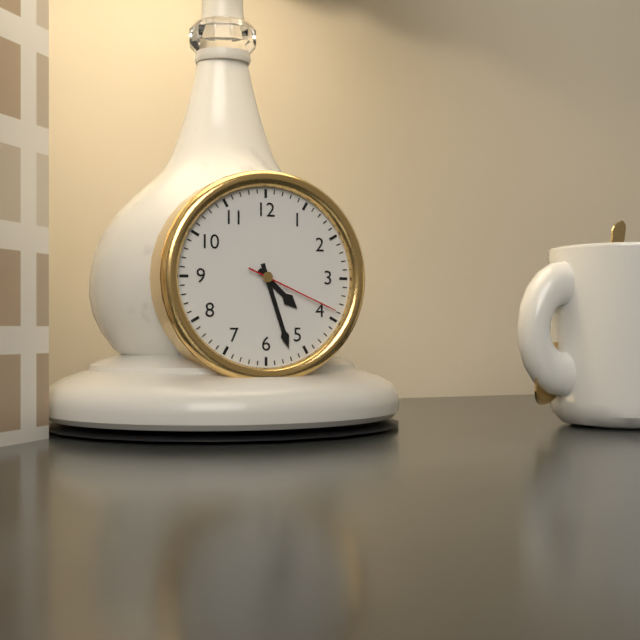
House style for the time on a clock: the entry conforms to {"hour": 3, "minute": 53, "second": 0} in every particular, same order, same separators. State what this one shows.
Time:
{"hour": 4, "minute": 27, "second": 19}
